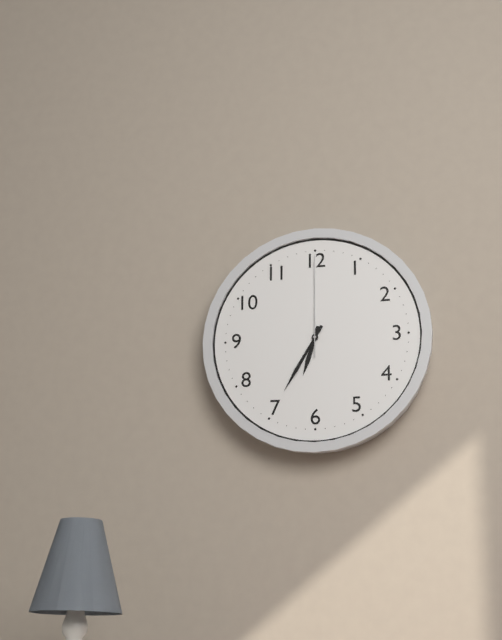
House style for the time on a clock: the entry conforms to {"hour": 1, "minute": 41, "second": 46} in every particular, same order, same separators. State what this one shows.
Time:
{"hour": 6, "minute": 35, "second": 0}
